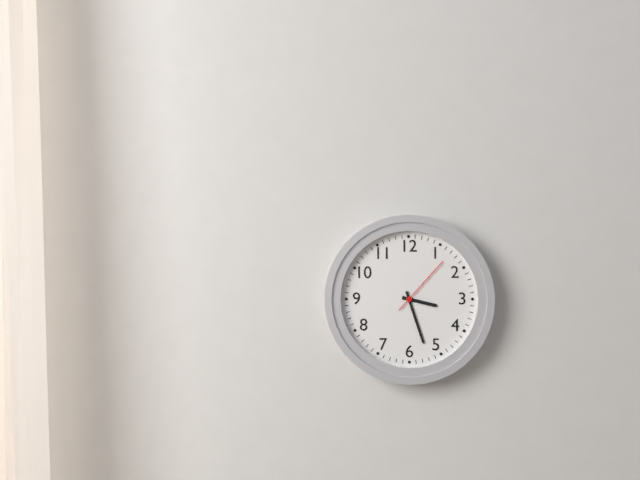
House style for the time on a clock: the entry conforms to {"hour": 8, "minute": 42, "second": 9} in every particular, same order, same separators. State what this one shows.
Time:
{"hour": 3, "minute": 27, "second": 7}
